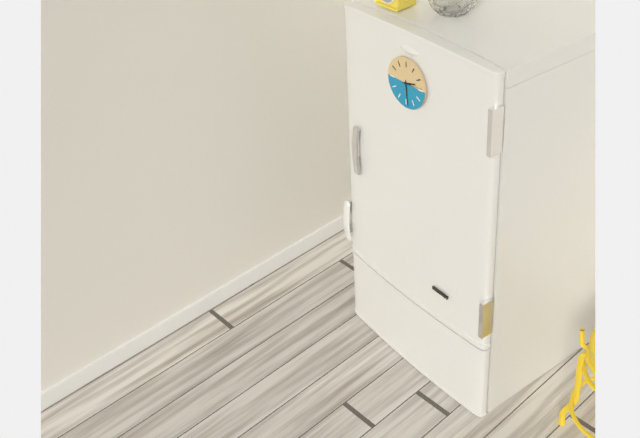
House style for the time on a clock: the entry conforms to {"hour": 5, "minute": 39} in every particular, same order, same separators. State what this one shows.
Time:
{"hour": 2, "minute": 29}
